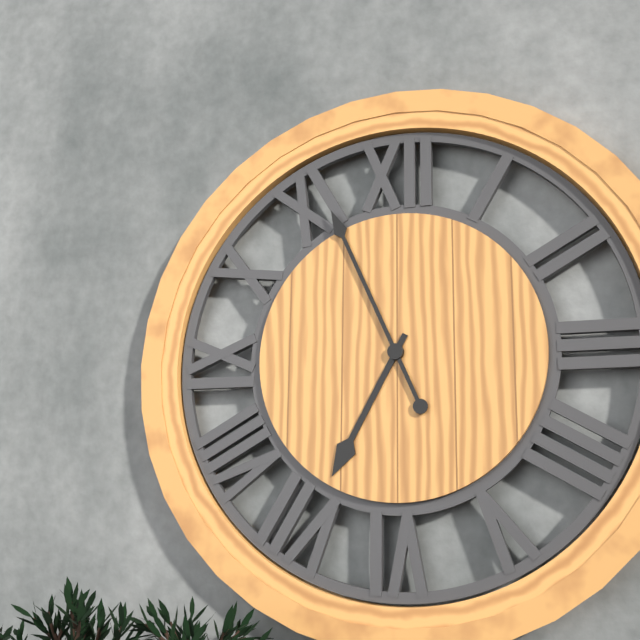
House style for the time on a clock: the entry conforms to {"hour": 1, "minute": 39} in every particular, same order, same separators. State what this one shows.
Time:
{"hour": 6, "minute": 56}
